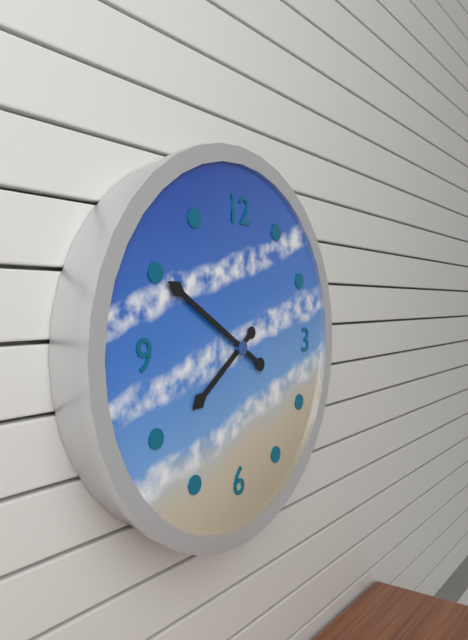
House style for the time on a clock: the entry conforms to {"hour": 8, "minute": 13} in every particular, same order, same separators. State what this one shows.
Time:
{"hour": 7, "minute": 50}
